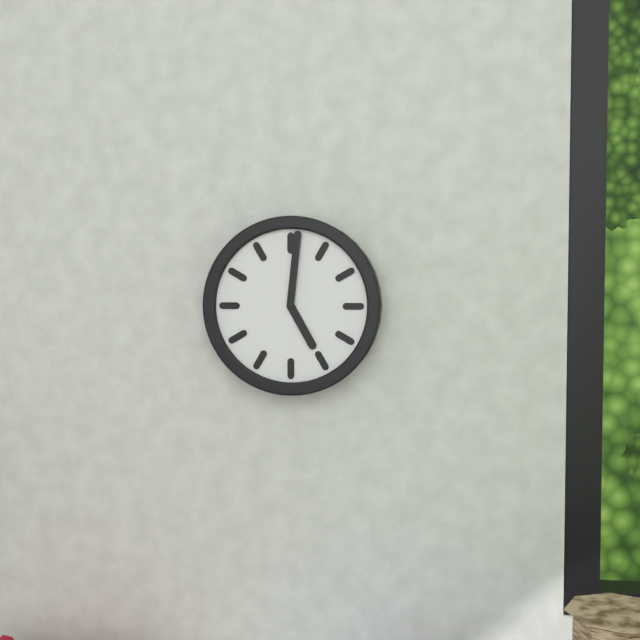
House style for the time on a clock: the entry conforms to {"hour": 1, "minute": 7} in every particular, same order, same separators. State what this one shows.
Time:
{"hour": 5, "minute": 1}
